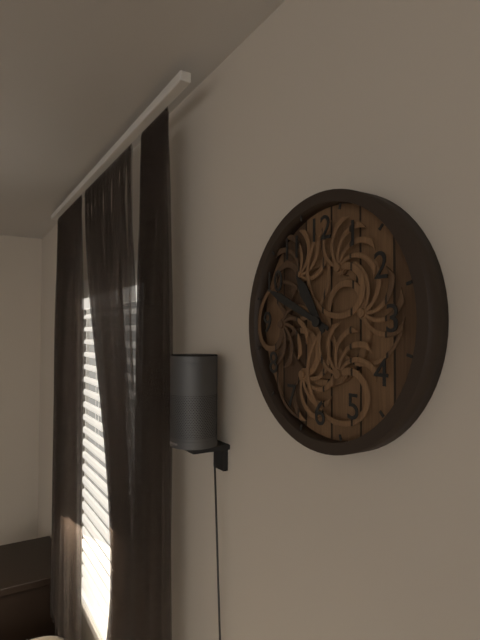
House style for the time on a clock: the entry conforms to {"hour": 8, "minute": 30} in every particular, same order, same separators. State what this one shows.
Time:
{"hour": 10, "minute": 49}
